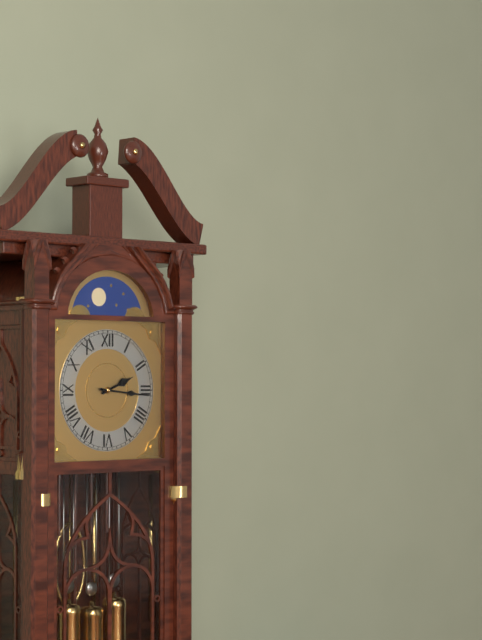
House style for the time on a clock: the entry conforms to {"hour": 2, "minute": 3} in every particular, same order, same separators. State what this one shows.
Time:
{"hour": 2, "minute": 16}
